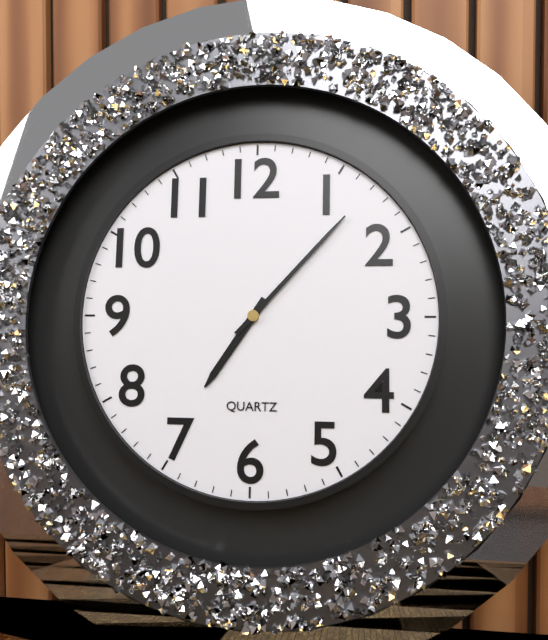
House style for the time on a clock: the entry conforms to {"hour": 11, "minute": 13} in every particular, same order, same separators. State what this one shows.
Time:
{"hour": 7, "minute": 7}
